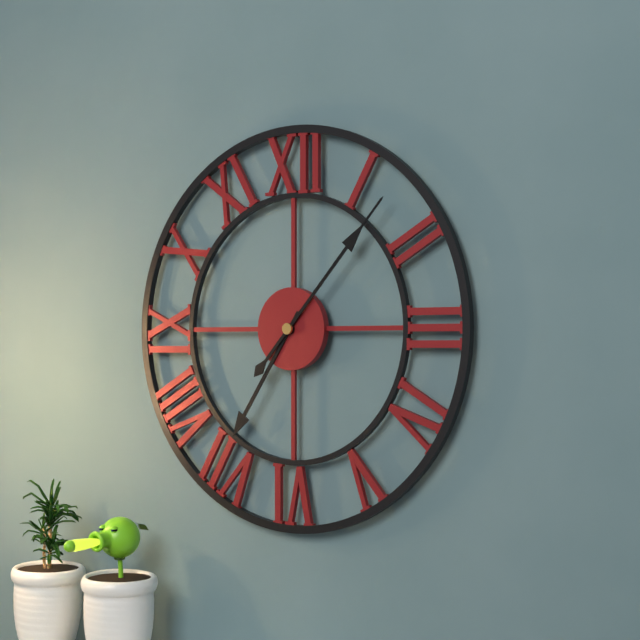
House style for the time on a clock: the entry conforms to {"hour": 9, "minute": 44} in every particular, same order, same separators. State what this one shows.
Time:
{"hour": 7, "minute": 7}
